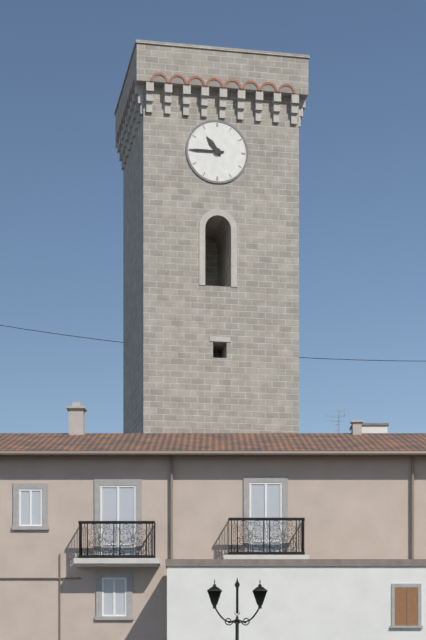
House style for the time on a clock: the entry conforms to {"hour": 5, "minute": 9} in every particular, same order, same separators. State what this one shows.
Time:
{"hour": 10, "minute": 45}
